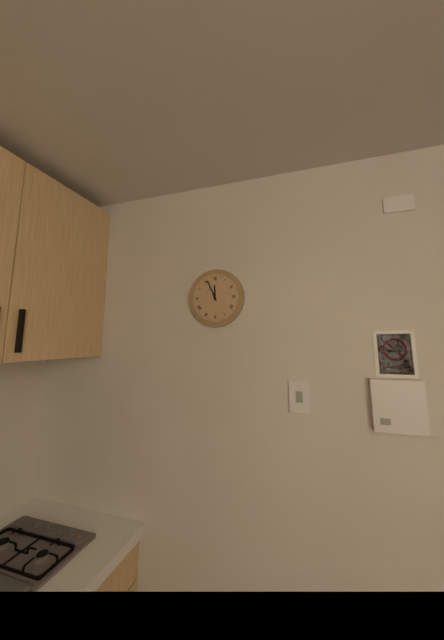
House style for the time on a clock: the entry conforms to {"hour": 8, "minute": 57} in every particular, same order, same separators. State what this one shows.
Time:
{"hour": 11, "minute": 56}
